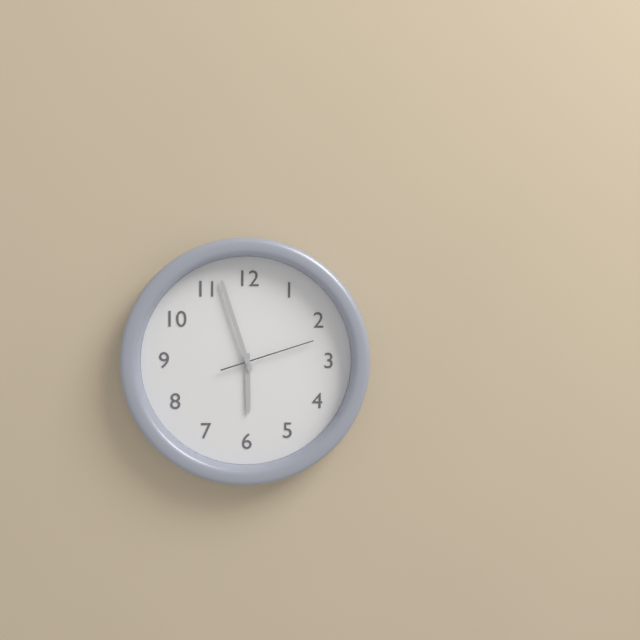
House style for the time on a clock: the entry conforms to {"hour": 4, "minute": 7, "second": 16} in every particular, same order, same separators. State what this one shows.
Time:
{"hour": 5, "minute": 57, "second": 12}
